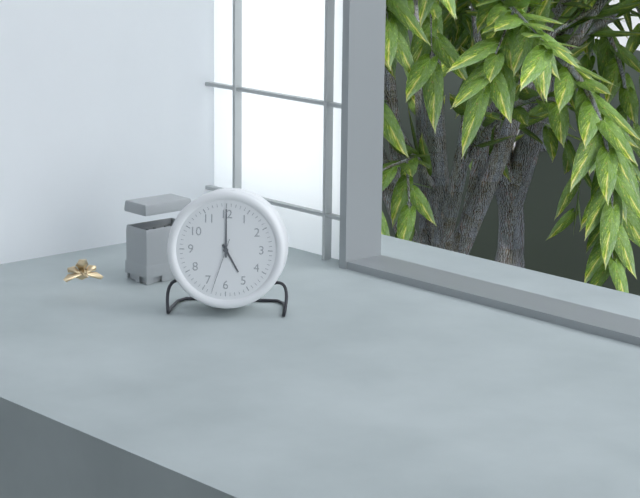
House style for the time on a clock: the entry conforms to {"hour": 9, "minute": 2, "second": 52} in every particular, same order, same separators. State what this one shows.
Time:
{"hour": 5, "minute": 0, "second": 33}
